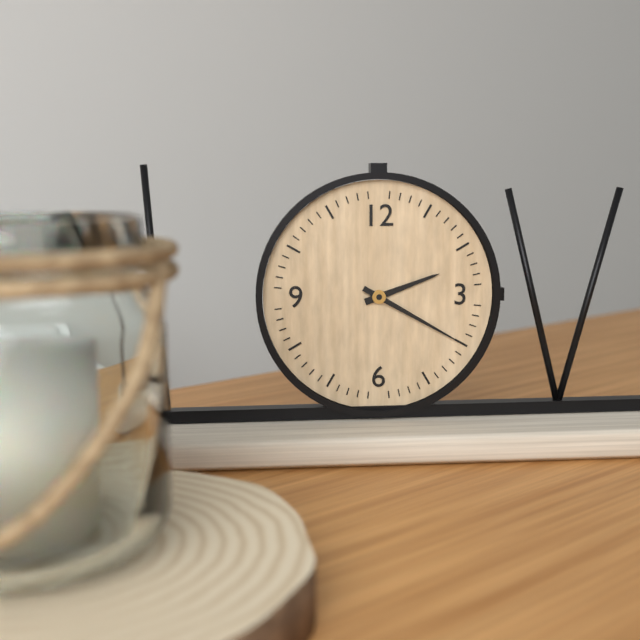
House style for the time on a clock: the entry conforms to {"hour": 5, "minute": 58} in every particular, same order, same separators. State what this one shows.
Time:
{"hour": 2, "minute": 20}
